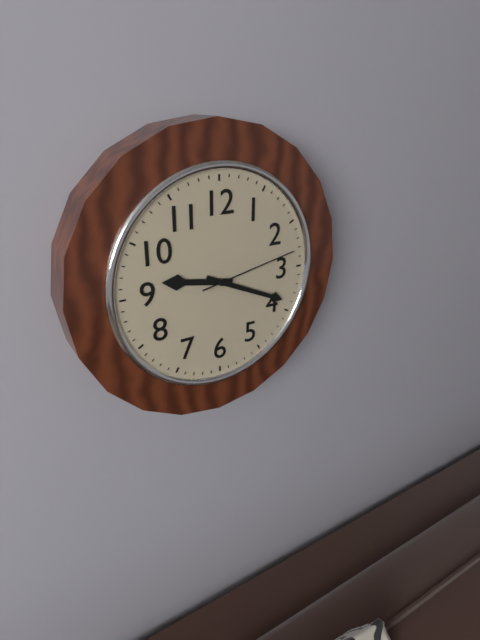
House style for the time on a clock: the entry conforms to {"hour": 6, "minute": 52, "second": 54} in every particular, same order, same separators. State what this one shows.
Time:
{"hour": 9, "minute": 19, "second": 13}
